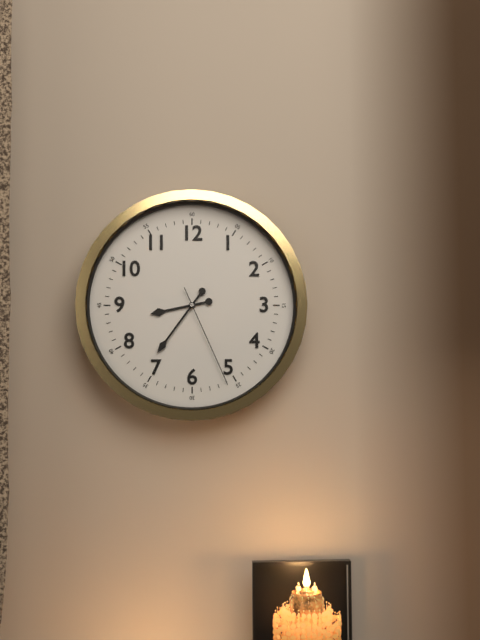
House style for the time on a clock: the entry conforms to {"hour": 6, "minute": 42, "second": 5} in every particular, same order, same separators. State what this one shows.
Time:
{"hour": 8, "minute": 36, "second": 26}
